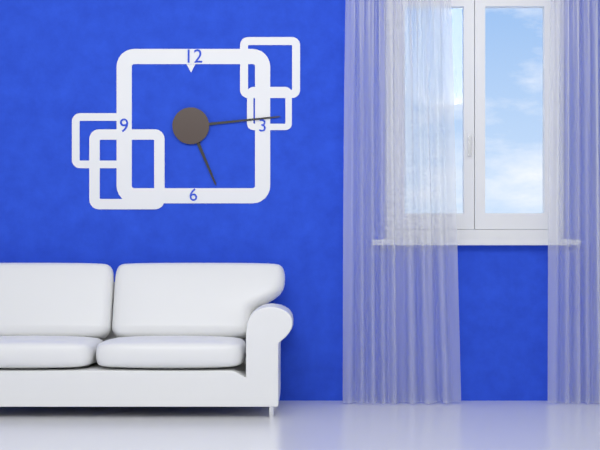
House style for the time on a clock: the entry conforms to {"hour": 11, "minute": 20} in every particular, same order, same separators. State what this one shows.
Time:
{"hour": 5, "minute": 14}
